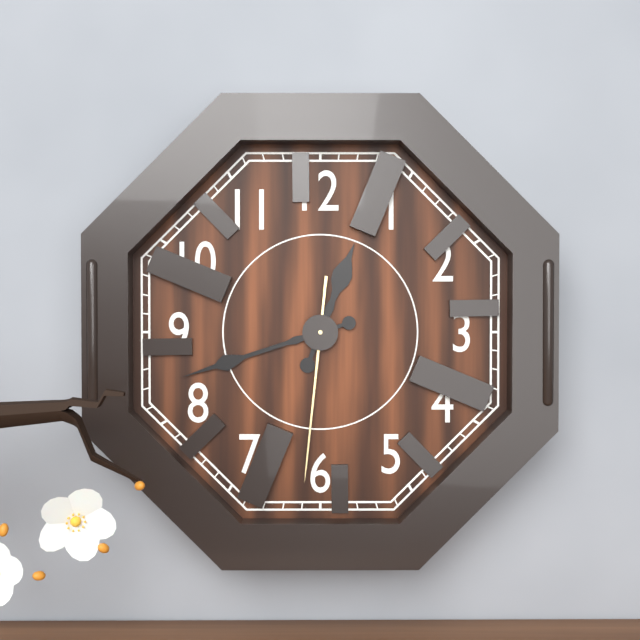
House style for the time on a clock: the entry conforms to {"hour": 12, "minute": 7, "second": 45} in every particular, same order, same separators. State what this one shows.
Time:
{"hour": 12, "minute": 42, "second": 31}
